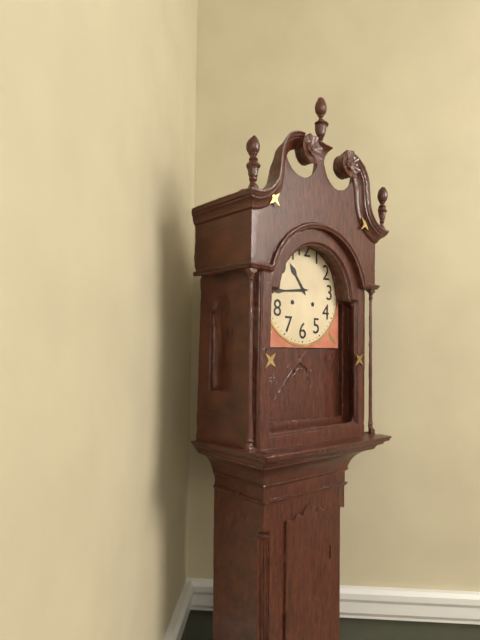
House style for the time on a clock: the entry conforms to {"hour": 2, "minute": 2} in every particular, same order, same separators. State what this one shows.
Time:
{"hour": 10, "minute": 44}
